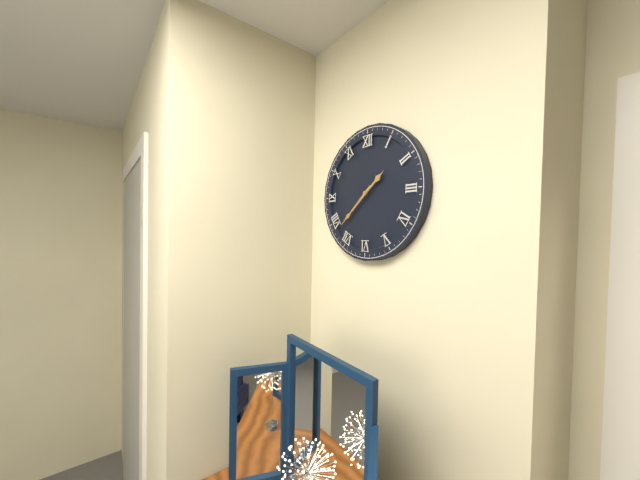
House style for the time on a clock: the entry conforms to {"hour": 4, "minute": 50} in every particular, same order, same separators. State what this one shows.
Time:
{"hour": 1, "minute": 38}
